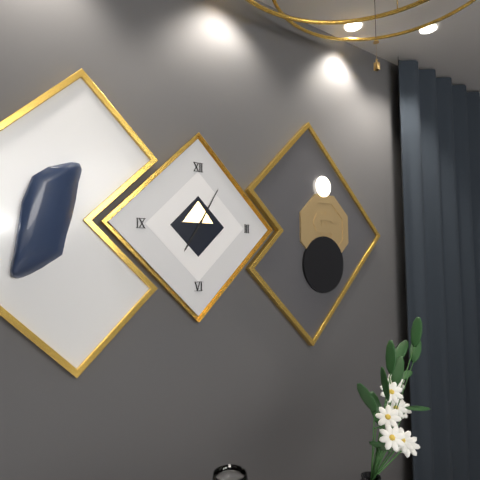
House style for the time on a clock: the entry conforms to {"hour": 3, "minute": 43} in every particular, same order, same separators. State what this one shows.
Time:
{"hour": 7, "minute": 5}
